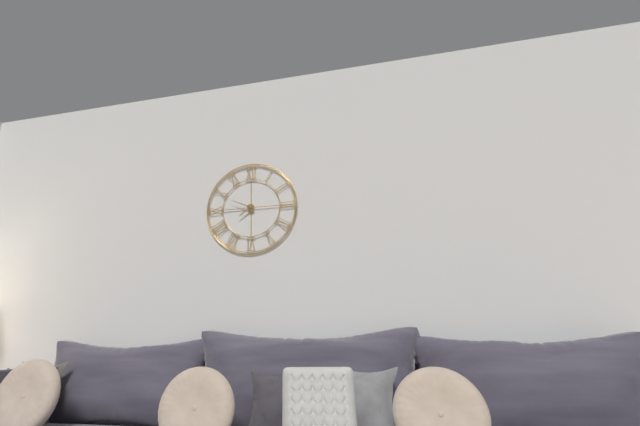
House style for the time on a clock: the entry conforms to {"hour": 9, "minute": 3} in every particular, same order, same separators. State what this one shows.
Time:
{"hour": 7, "minute": 49}
